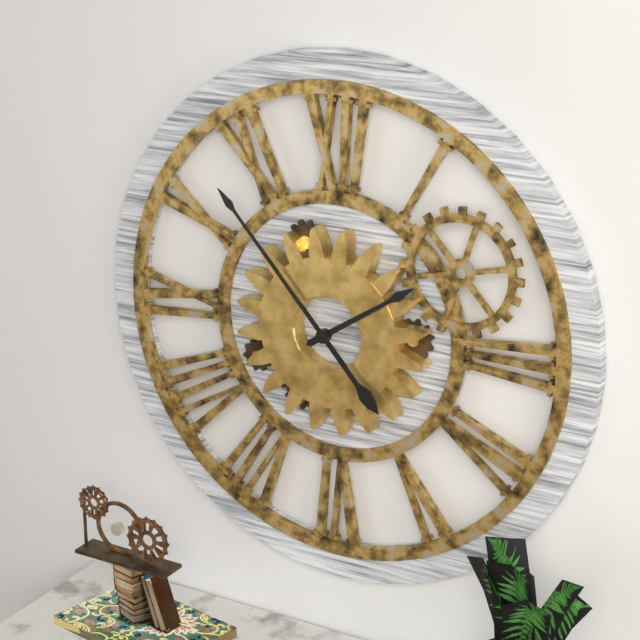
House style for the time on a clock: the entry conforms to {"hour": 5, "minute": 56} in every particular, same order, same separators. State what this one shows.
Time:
{"hour": 1, "minute": 53}
